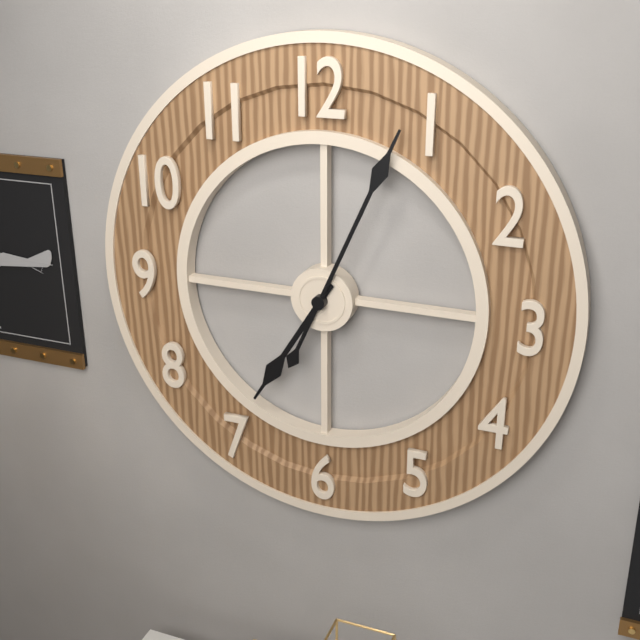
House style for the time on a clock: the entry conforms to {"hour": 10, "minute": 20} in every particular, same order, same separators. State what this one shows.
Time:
{"hour": 7, "minute": 4}
